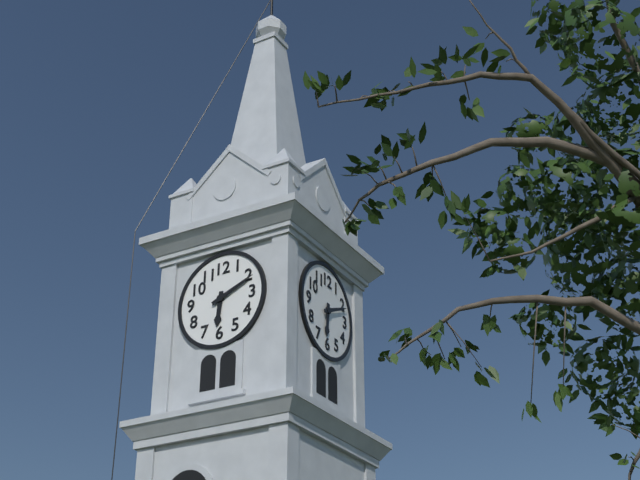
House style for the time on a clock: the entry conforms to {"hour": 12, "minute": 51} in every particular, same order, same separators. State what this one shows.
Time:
{"hour": 6, "minute": 11}
